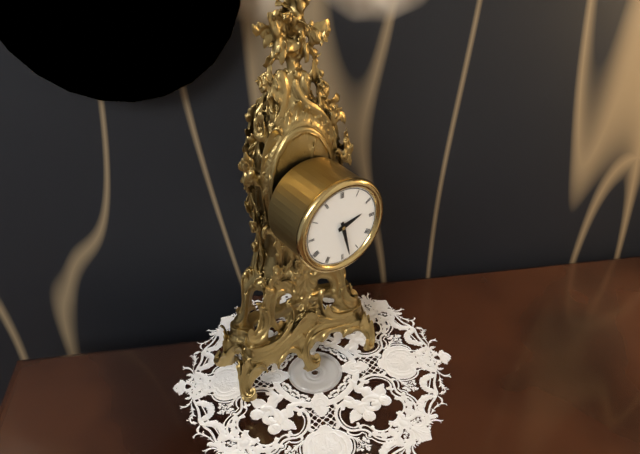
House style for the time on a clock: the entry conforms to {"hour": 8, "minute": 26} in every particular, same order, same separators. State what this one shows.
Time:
{"hour": 2, "minute": 28}
